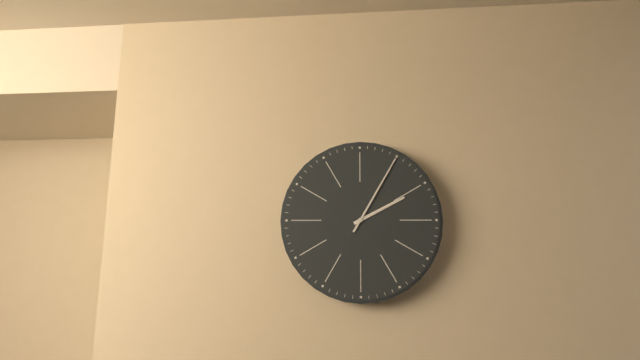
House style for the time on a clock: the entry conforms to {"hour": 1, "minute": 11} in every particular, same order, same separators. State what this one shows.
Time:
{"hour": 2, "minute": 5}
